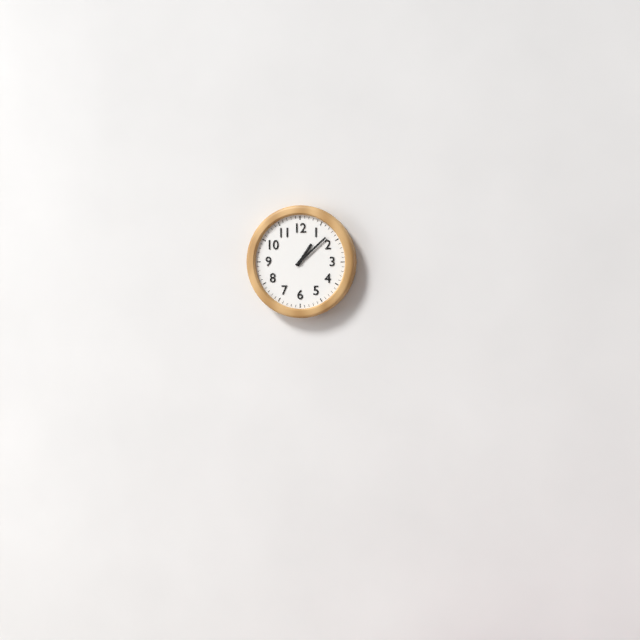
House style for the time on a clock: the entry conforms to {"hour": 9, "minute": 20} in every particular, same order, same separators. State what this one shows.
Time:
{"hour": 1, "minute": 8}
